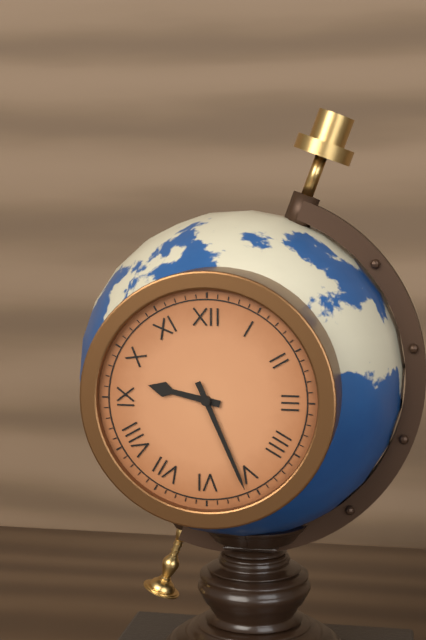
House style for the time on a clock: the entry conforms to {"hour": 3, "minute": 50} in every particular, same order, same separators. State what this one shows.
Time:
{"hour": 9, "minute": 26}
